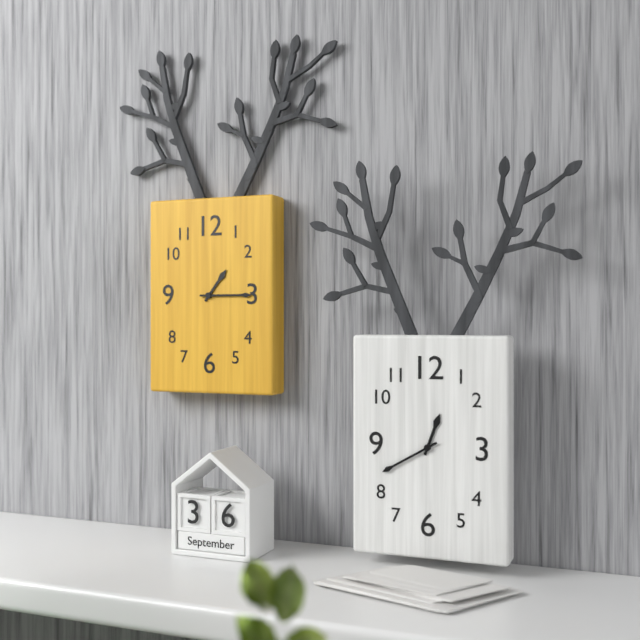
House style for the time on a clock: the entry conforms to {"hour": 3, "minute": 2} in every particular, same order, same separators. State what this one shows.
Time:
{"hour": 1, "minute": 15}
